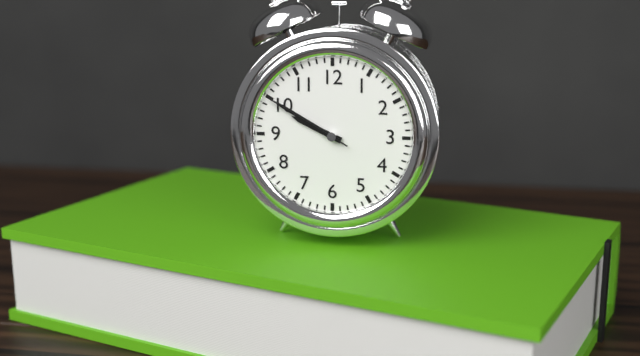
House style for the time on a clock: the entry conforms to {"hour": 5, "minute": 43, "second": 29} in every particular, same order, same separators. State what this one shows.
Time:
{"hour": 9, "minute": 50, "second": 50}
